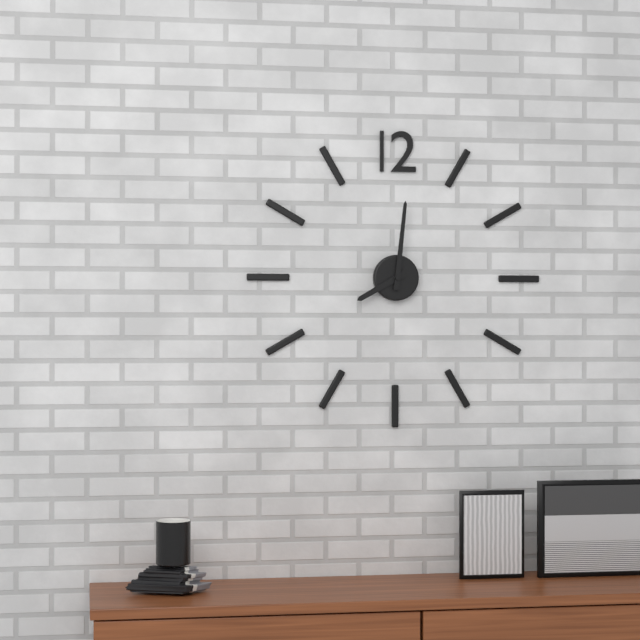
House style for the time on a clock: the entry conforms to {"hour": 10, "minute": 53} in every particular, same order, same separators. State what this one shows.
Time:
{"hour": 8, "minute": 1}
